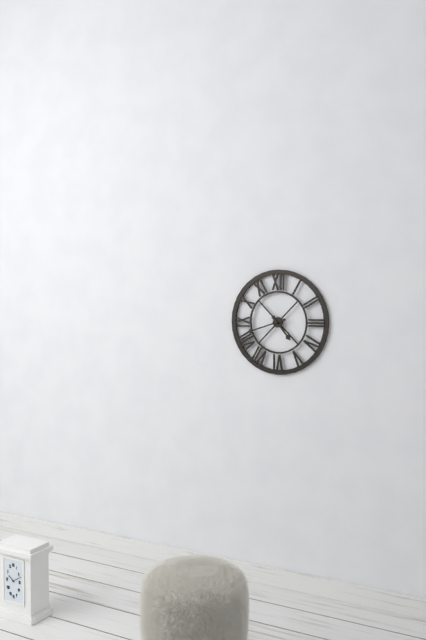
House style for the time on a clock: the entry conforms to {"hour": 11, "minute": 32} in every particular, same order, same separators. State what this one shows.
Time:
{"hour": 4, "minute": 42}
